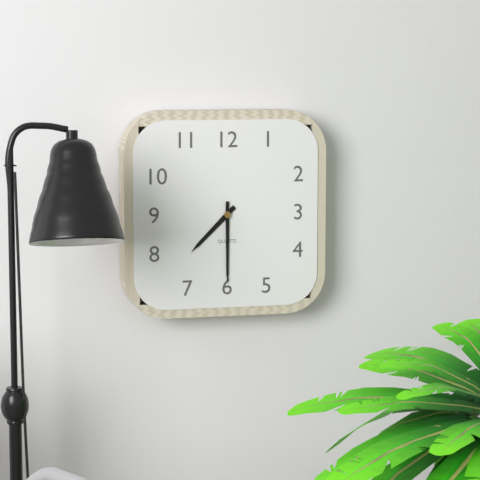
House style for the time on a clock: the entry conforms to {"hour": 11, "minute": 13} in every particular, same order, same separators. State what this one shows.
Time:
{"hour": 7, "minute": 30}
